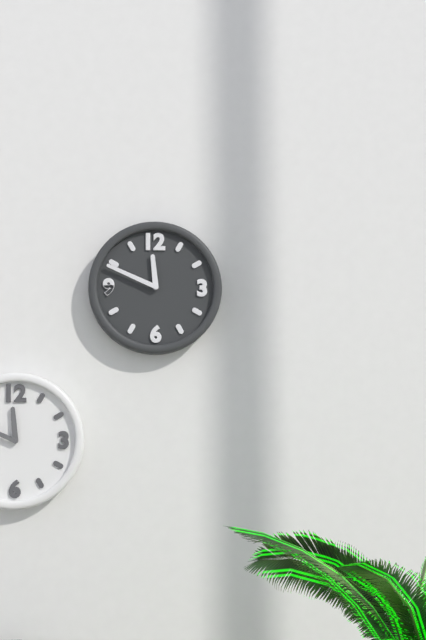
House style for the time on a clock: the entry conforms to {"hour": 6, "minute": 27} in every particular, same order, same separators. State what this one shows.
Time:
{"hour": 11, "minute": 49}
